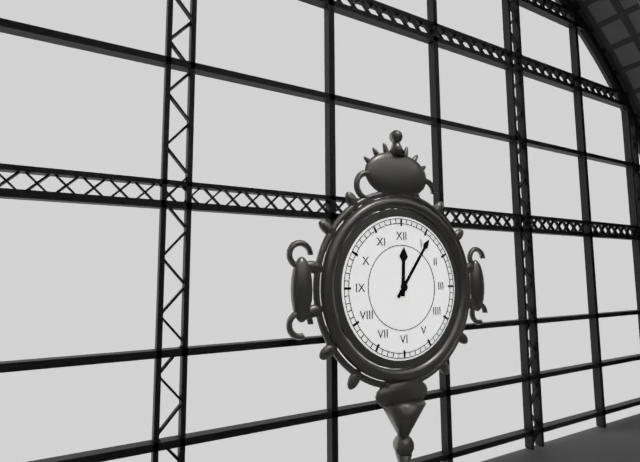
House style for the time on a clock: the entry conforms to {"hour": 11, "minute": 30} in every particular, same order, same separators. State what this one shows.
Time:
{"hour": 12, "minute": 6}
